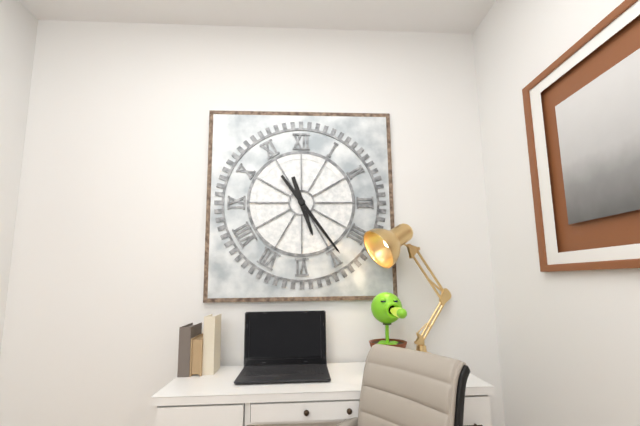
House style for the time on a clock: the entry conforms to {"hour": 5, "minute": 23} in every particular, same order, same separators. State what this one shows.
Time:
{"hour": 5, "minute": 24}
